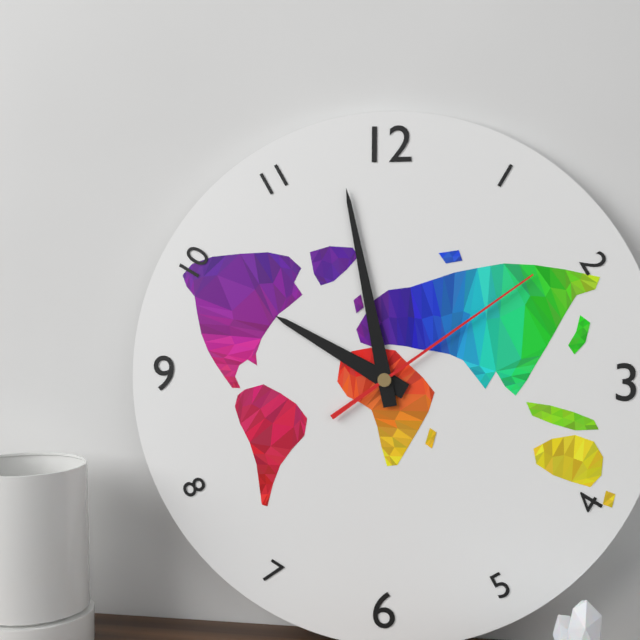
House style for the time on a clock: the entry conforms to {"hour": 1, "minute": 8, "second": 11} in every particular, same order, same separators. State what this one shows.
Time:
{"hour": 9, "minute": 58, "second": 9}
